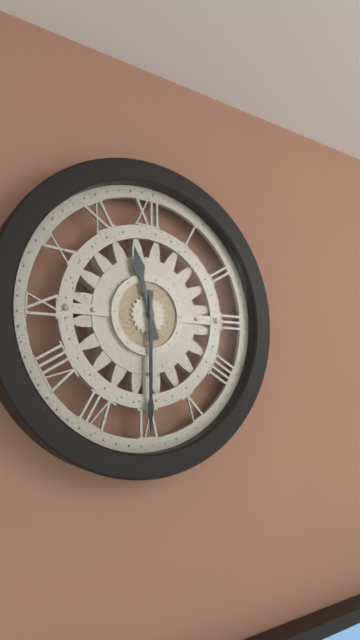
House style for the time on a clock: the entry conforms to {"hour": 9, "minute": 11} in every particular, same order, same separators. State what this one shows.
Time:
{"hour": 11, "minute": 30}
